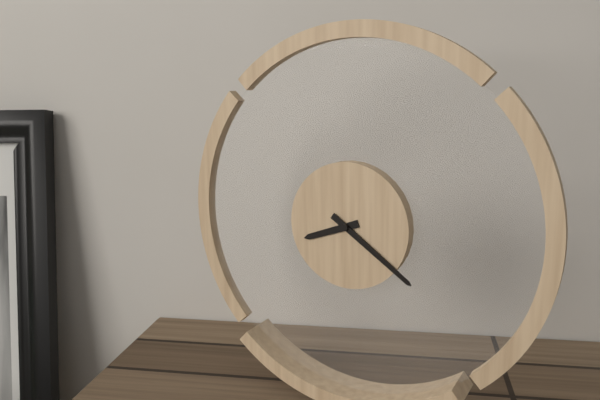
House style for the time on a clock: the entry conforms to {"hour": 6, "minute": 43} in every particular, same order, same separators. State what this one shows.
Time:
{"hour": 8, "minute": 21}
